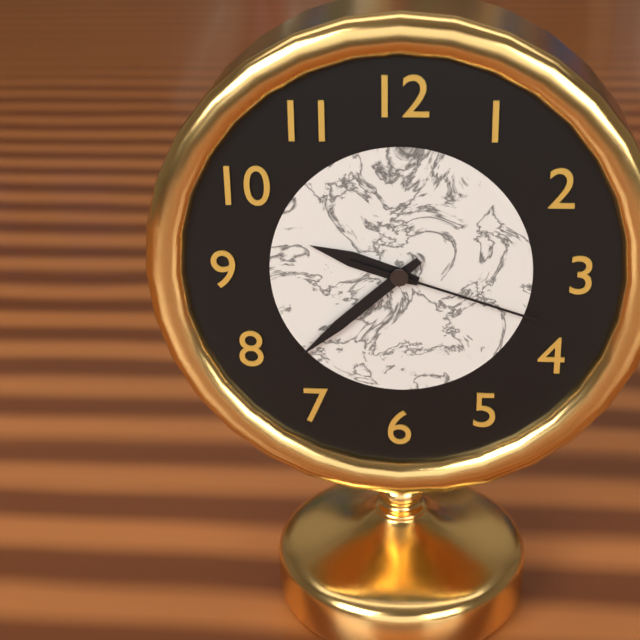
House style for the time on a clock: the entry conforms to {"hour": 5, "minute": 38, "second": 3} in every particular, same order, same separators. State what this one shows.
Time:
{"hour": 9, "minute": 38, "second": 18}
